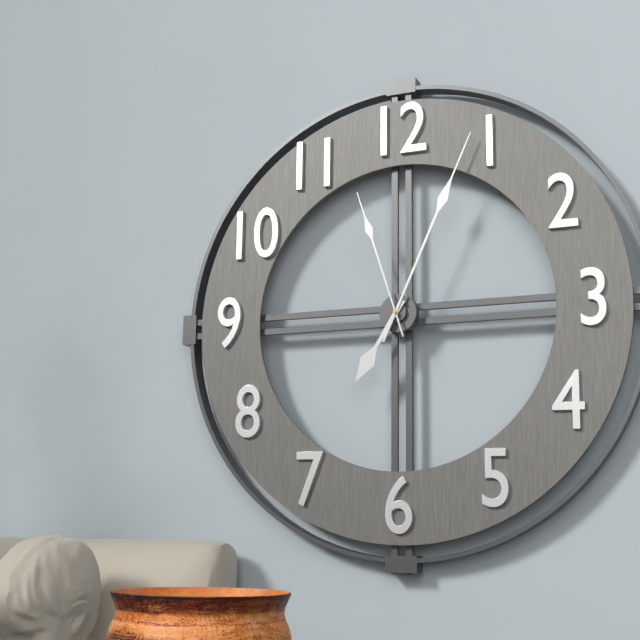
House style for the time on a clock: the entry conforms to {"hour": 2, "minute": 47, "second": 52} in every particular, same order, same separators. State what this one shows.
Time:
{"hour": 7, "minute": 4, "second": 57}
